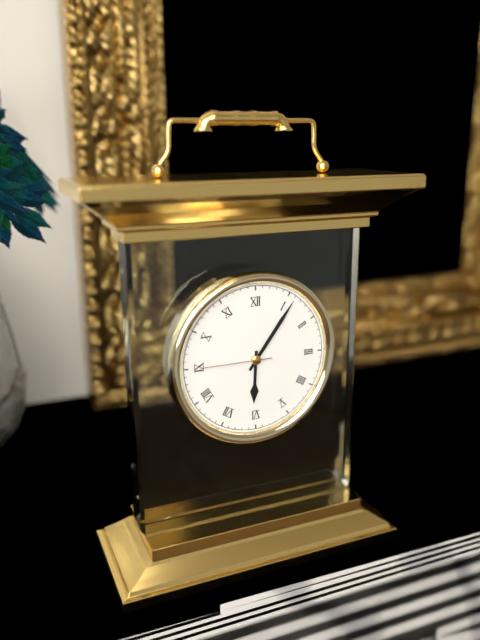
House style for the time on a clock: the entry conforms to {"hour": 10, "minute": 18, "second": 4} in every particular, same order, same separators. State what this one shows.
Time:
{"hour": 6, "minute": 6, "second": 45}
